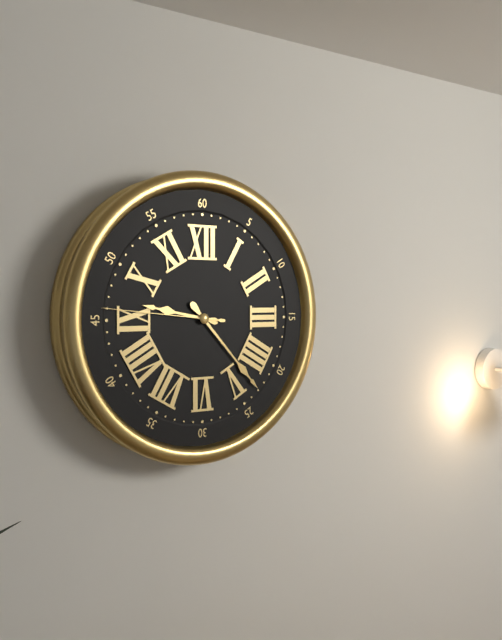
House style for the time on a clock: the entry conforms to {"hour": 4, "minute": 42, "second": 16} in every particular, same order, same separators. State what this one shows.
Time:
{"hour": 9, "minute": 23, "second": 46}
